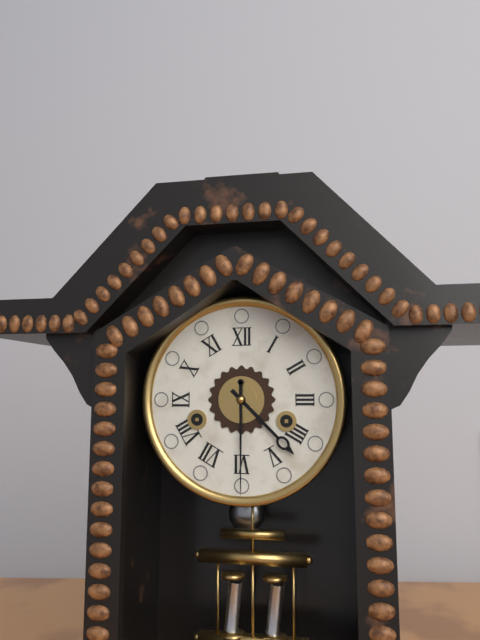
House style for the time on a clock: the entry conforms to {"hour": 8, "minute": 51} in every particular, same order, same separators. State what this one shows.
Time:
{"hour": 4, "minute": 30}
